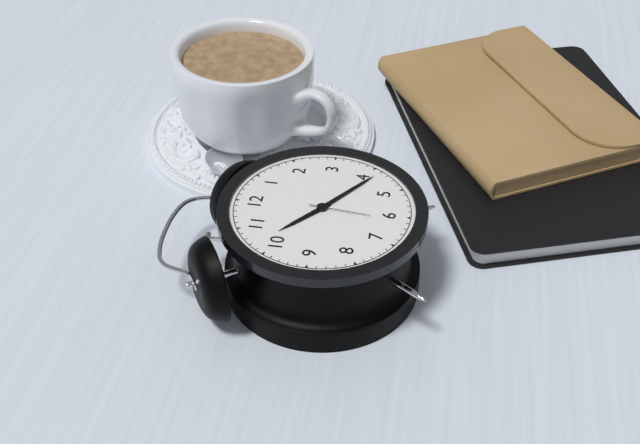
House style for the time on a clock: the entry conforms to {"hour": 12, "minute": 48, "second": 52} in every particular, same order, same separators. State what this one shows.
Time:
{"hour": 10, "minute": 21, "second": 31}
